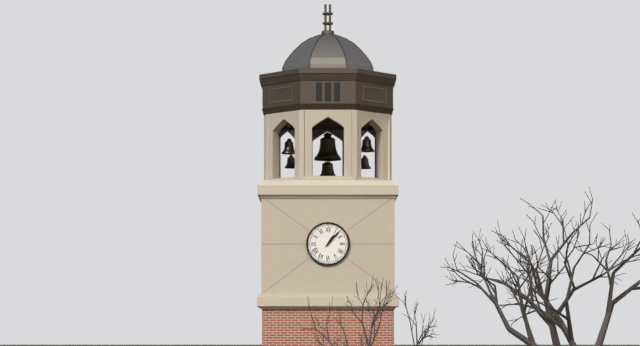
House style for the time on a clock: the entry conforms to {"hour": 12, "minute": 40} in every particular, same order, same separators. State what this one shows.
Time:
{"hour": 1, "minute": 7}
